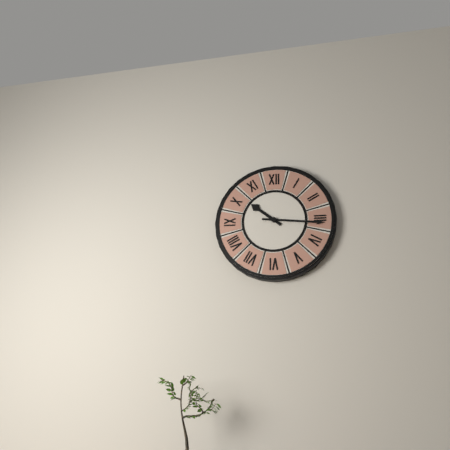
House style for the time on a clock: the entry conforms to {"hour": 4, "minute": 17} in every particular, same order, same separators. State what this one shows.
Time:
{"hour": 10, "minute": 16}
